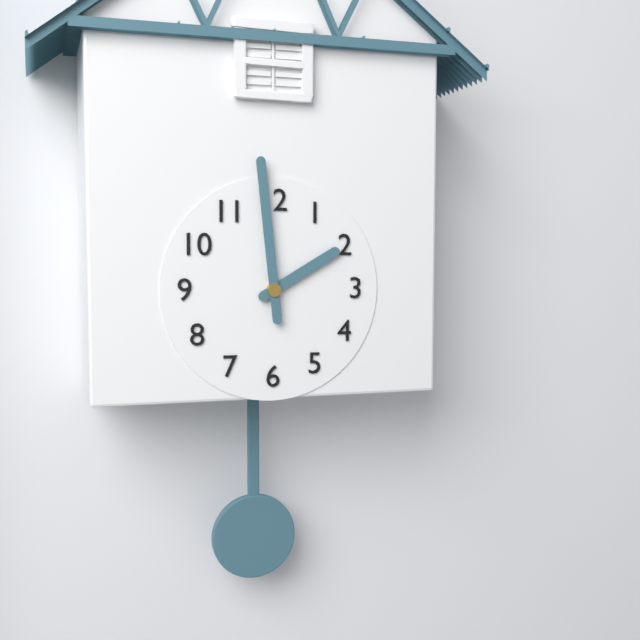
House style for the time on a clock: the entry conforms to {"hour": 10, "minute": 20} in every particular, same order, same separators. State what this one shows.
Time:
{"hour": 1, "minute": 59}
